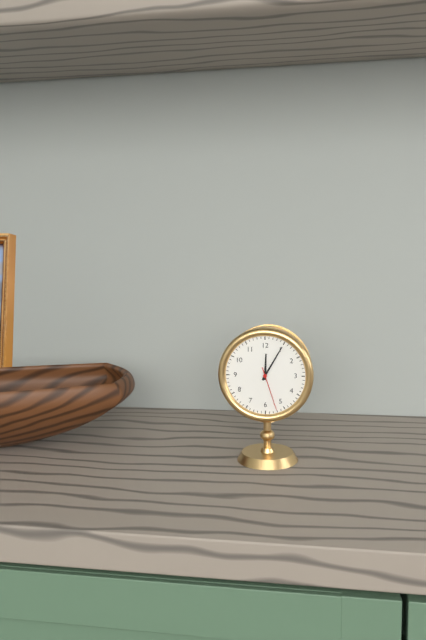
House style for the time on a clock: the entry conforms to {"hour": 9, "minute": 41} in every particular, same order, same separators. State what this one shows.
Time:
{"hour": 12, "minute": 5}
